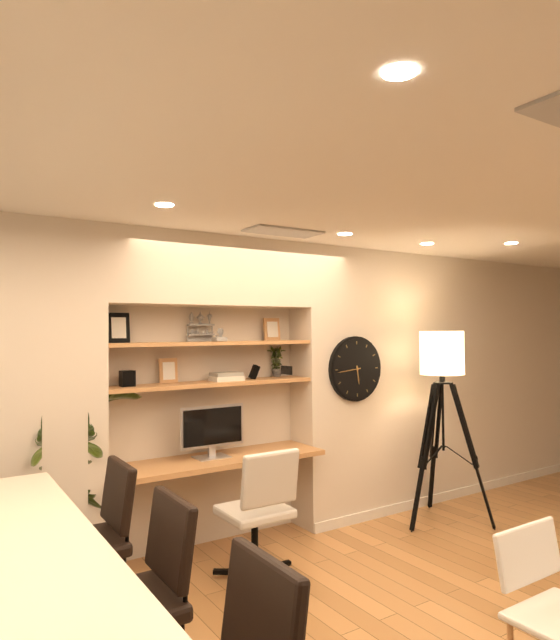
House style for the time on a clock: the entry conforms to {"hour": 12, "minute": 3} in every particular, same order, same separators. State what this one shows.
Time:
{"hour": 5, "minute": 44}
